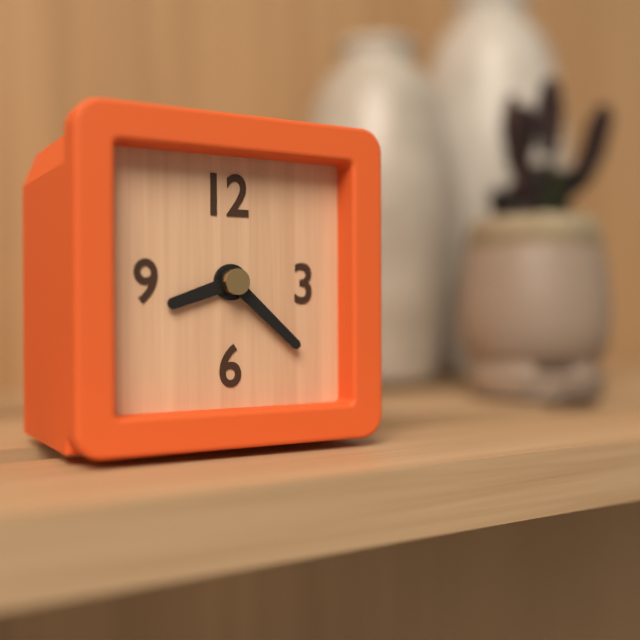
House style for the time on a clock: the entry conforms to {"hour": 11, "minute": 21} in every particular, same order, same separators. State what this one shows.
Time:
{"hour": 8, "minute": 22}
